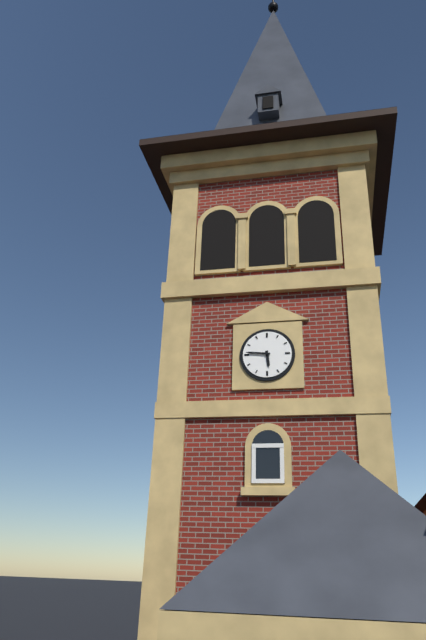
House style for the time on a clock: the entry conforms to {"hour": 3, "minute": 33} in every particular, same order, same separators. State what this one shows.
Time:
{"hour": 5, "minute": 46}
